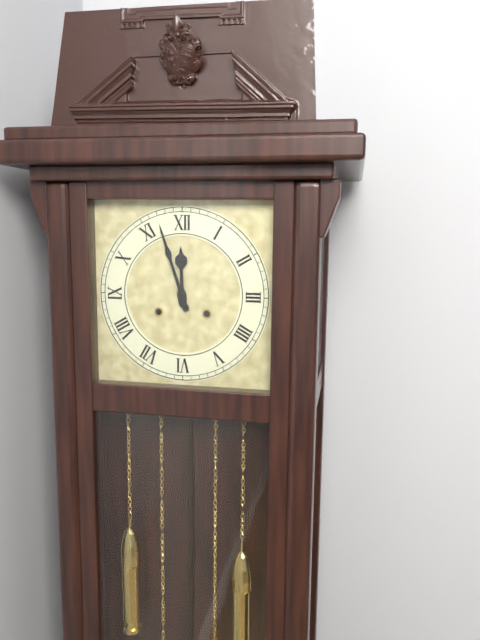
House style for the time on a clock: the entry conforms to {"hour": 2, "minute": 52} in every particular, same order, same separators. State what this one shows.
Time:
{"hour": 11, "minute": 57}
